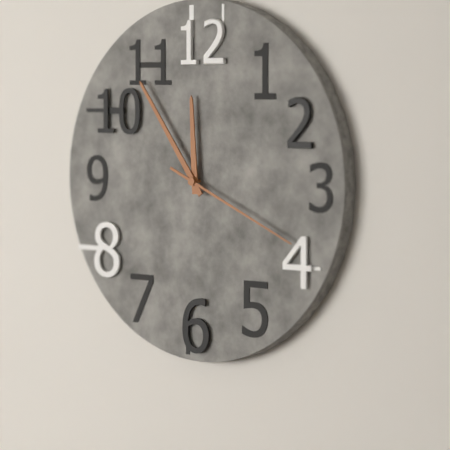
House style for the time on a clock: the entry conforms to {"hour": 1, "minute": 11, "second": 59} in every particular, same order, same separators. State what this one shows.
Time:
{"hour": 11, "minute": 54, "second": 19}
